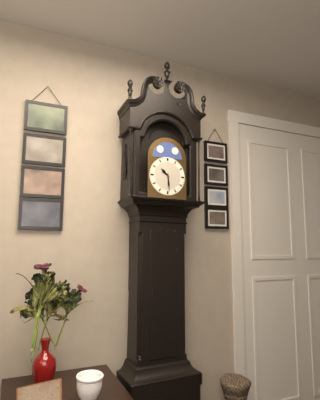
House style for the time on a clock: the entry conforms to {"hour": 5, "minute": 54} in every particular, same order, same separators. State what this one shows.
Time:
{"hour": 10, "minute": 29}
